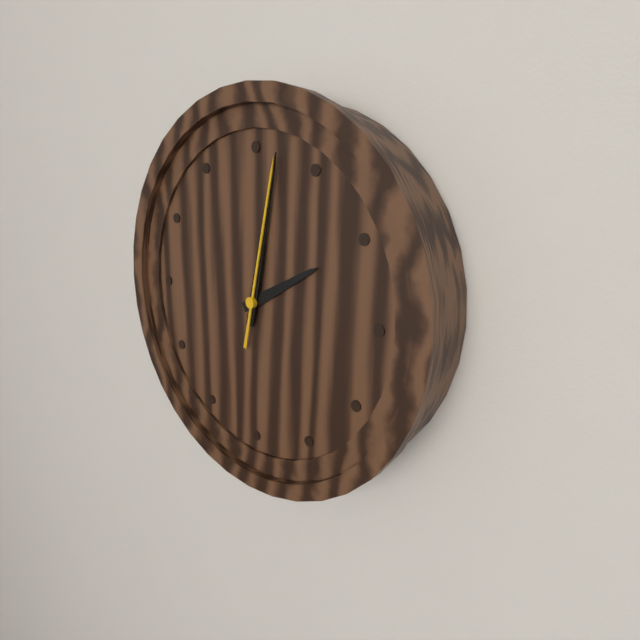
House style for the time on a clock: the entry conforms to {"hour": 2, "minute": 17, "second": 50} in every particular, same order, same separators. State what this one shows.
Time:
{"hour": 2, "minute": 2, "second": 2}
